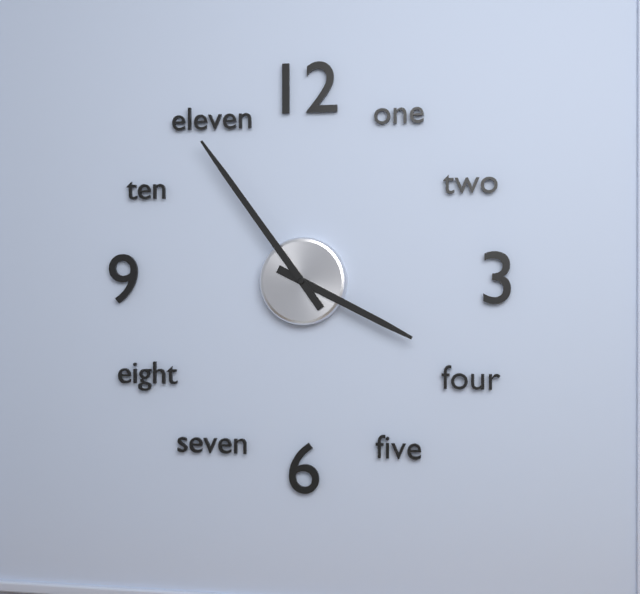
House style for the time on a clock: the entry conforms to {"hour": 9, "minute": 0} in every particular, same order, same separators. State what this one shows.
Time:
{"hour": 3, "minute": 54}
